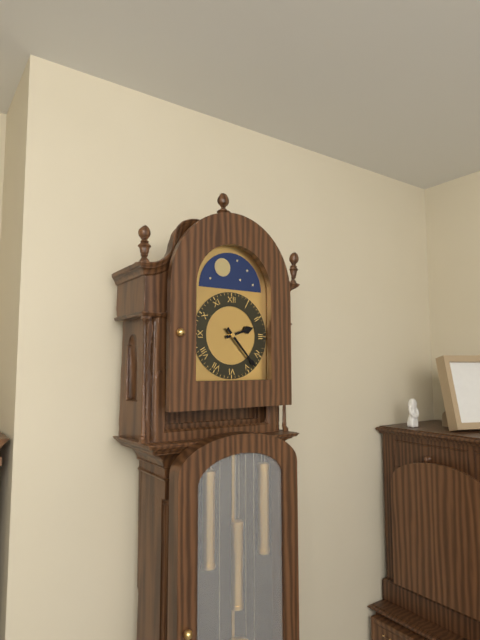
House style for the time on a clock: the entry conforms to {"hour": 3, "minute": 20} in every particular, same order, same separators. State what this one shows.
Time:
{"hour": 2, "minute": 23}
